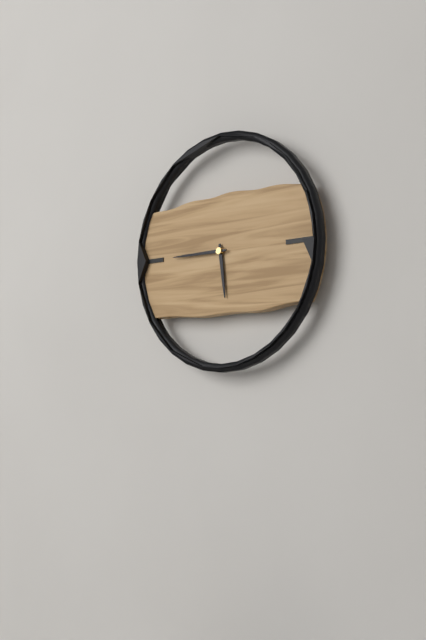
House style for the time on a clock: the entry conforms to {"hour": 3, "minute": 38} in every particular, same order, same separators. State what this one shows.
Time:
{"hour": 5, "minute": 45}
